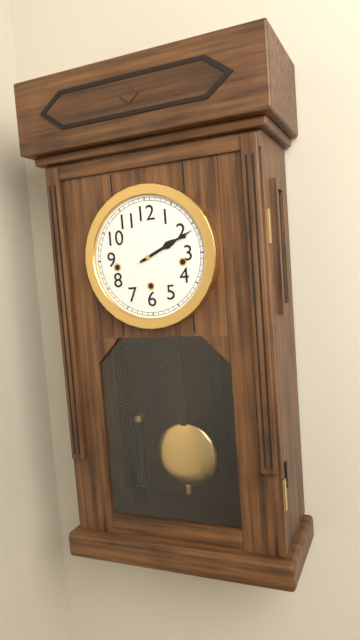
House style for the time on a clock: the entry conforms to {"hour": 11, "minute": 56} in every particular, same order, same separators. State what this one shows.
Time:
{"hour": 2, "minute": 11}
